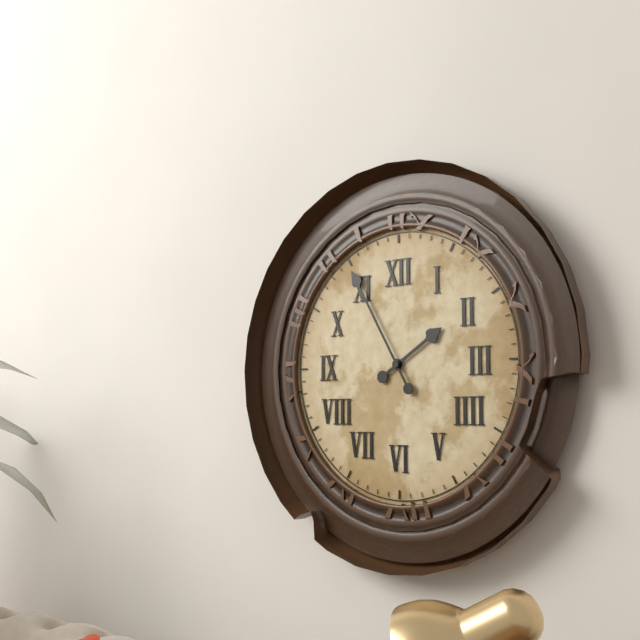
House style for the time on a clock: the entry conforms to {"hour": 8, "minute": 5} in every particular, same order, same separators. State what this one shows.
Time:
{"hour": 1, "minute": 55}
